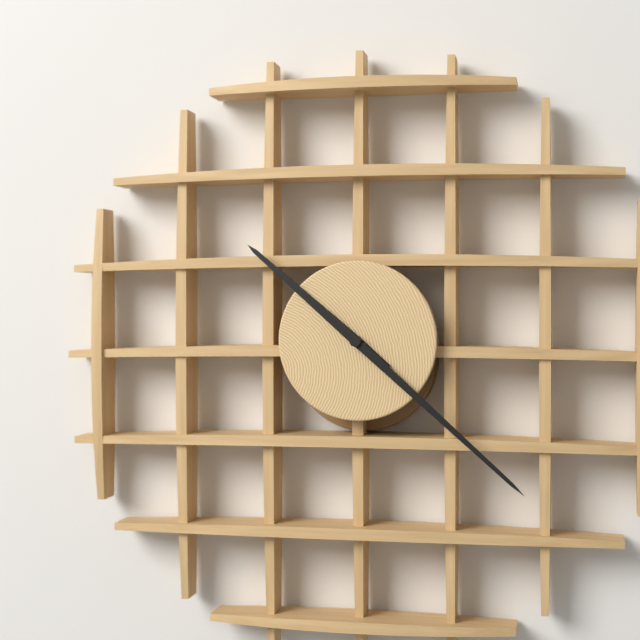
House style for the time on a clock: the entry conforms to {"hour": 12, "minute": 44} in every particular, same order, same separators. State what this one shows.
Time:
{"hour": 10, "minute": 22}
